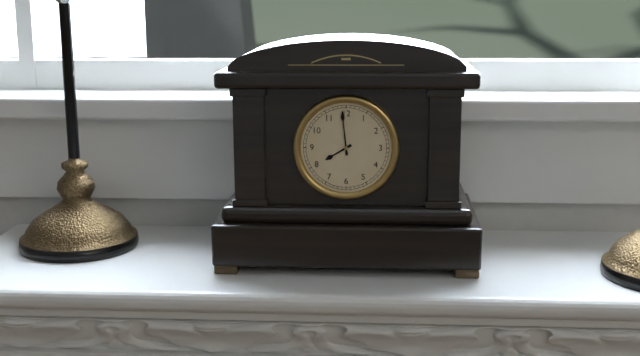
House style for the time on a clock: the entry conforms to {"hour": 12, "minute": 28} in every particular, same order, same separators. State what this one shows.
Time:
{"hour": 7, "minute": 59}
